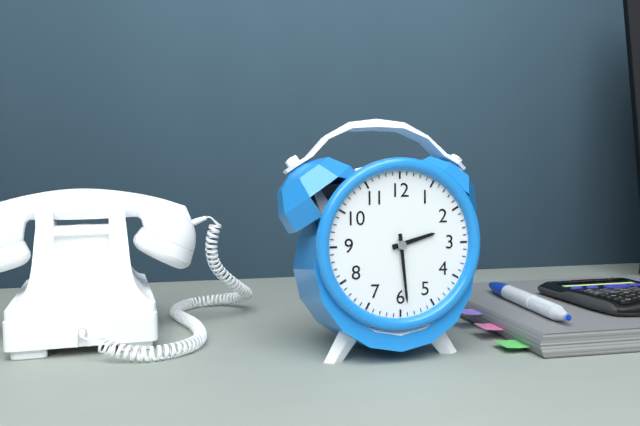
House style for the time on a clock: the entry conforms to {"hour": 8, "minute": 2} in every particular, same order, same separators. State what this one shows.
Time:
{"hour": 2, "minute": 29}
